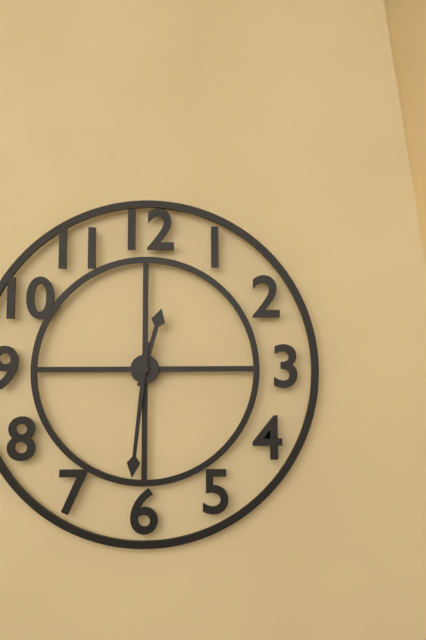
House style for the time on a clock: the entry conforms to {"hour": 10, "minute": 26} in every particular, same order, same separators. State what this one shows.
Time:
{"hour": 12, "minute": 31}
